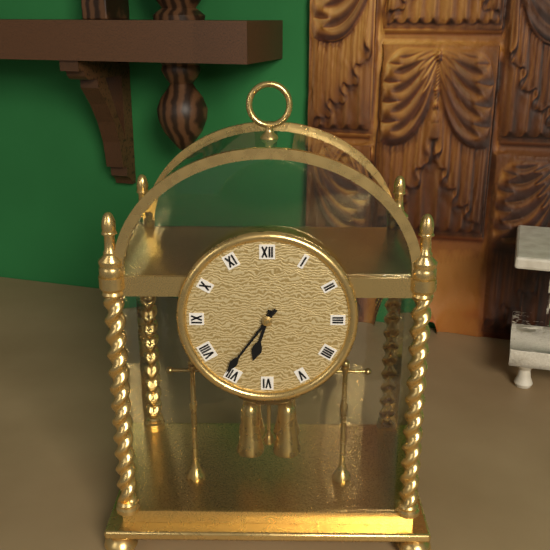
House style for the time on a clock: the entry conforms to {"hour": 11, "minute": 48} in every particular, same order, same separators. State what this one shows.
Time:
{"hour": 6, "minute": 36}
